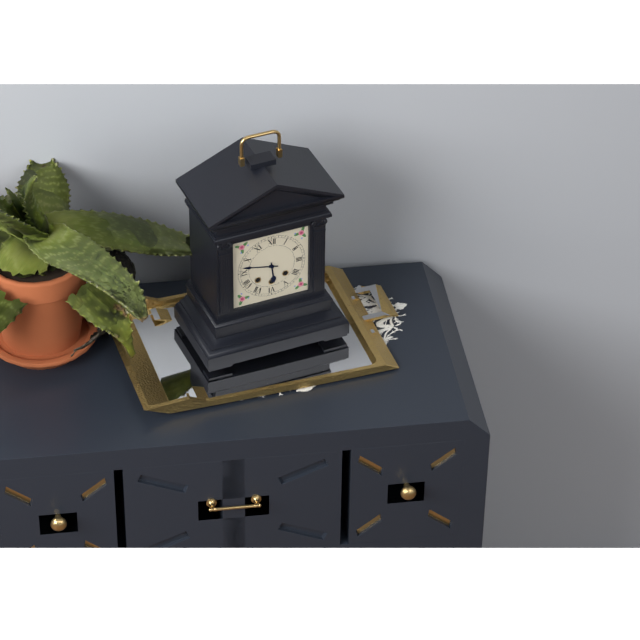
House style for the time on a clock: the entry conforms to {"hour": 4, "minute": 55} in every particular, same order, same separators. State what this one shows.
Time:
{"hour": 5, "minute": 47}
